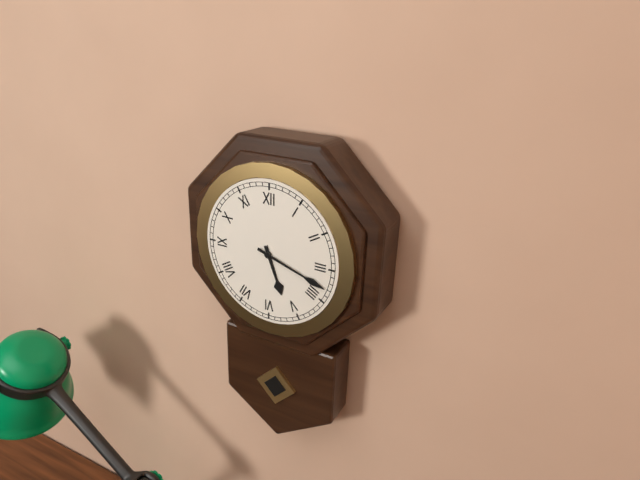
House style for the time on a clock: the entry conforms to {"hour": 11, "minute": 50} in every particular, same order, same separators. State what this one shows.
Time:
{"hour": 5, "minute": 18}
